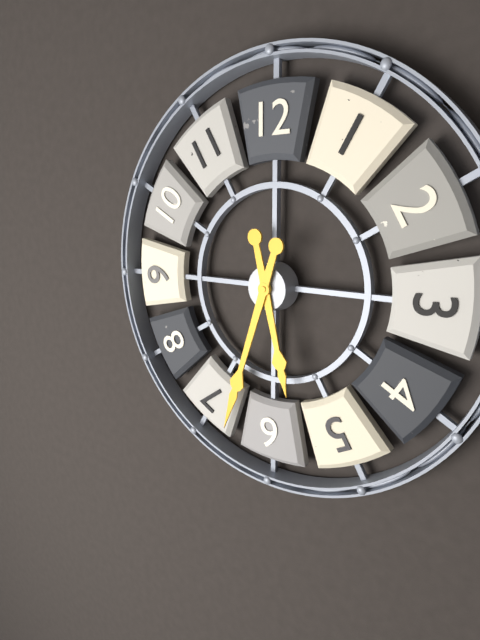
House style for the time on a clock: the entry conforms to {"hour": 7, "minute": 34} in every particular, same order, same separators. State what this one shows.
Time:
{"hour": 5, "minute": 33}
